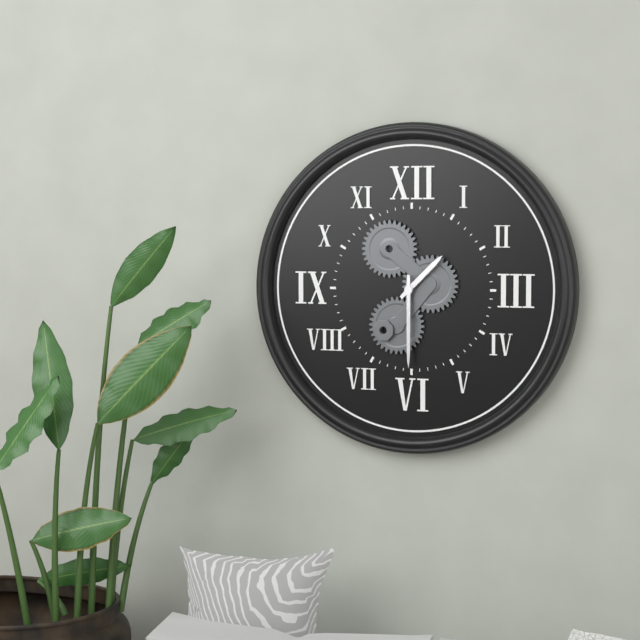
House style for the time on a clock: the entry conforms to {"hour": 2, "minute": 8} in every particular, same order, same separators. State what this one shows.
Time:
{"hour": 1, "minute": 30}
